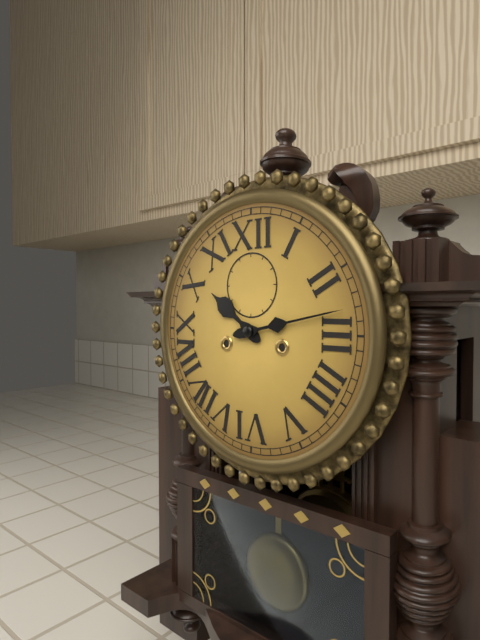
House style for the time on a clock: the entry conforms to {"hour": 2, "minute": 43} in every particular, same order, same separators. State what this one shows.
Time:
{"hour": 10, "minute": 13}
